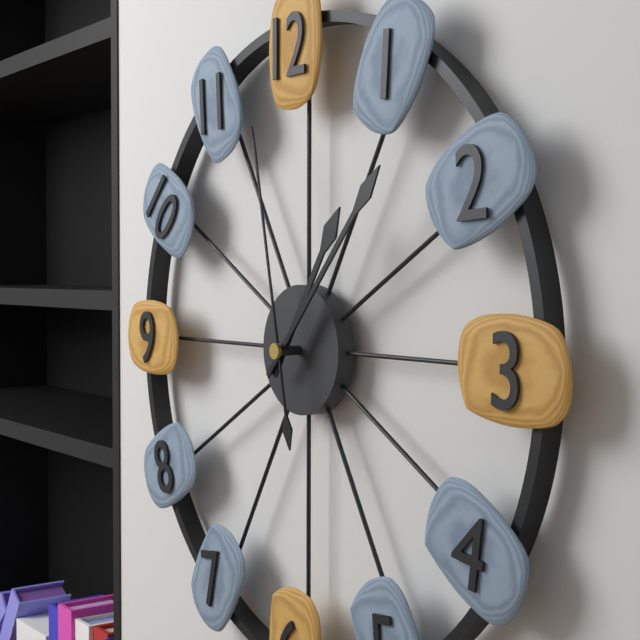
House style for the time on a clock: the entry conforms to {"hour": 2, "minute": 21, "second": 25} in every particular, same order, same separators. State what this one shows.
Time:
{"hour": 1, "minute": 7, "second": 58}
